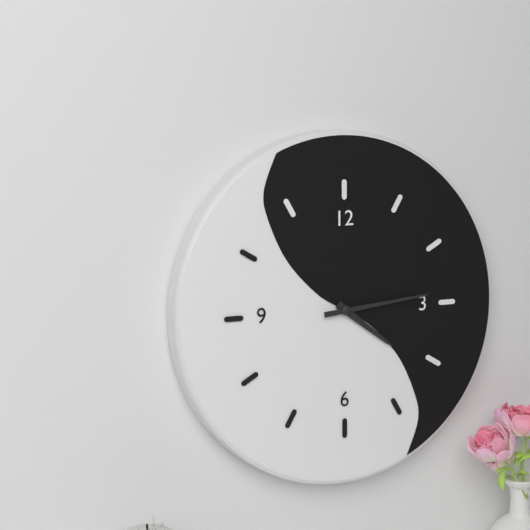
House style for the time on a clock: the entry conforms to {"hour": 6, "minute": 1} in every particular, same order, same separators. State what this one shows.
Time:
{"hour": 4, "minute": 14}
